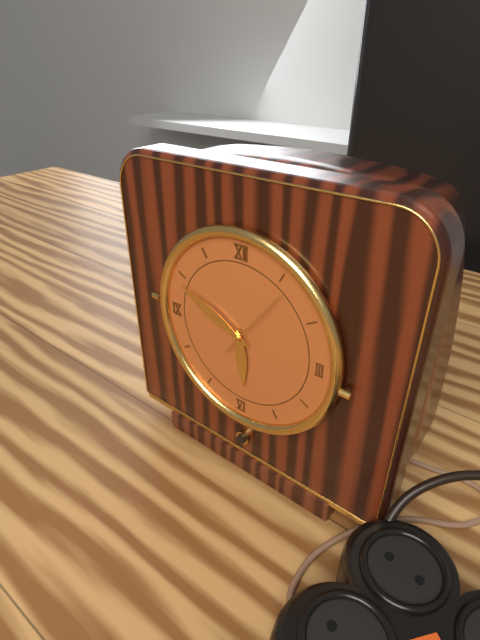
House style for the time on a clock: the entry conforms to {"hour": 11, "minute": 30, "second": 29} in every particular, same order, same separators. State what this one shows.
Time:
{"hour": 5, "minute": 49, "second": 6}
